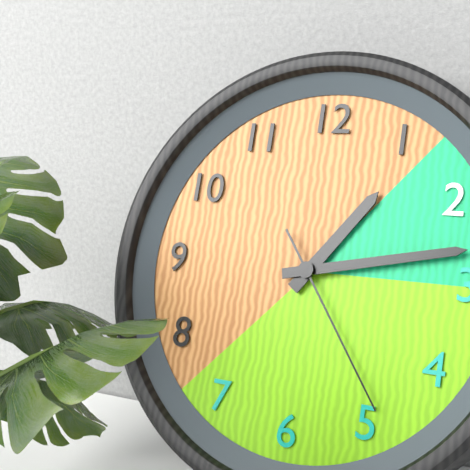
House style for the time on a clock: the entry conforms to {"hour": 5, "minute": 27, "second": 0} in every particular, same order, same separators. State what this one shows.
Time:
{"hour": 1, "minute": 13, "second": 24}
